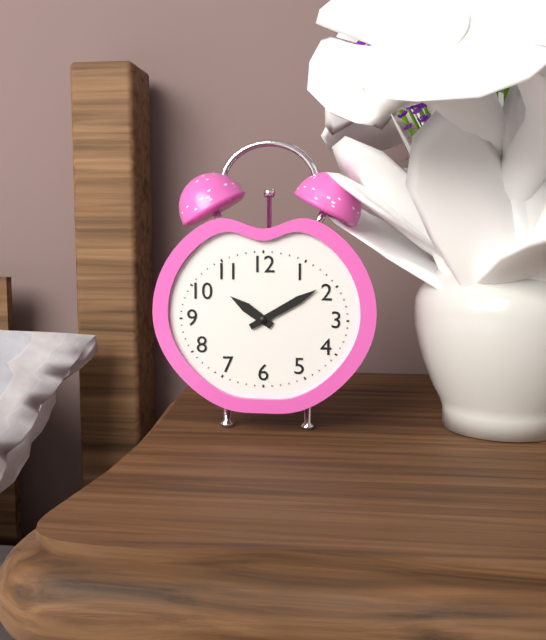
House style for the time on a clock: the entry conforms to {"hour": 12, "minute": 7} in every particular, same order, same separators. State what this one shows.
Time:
{"hour": 10, "minute": 10}
